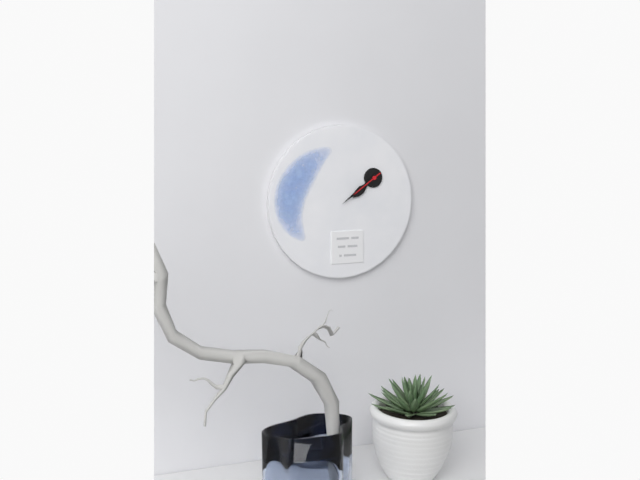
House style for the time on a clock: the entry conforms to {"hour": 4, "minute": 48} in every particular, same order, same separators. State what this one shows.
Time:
{"hour": 7, "minute": 39}
